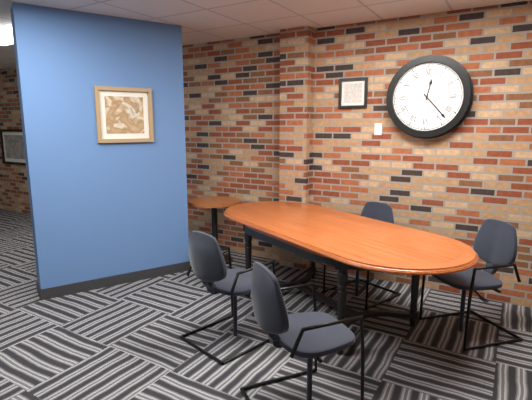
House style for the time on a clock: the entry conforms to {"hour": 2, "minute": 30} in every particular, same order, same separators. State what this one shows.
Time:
{"hour": 12, "minute": 23}
